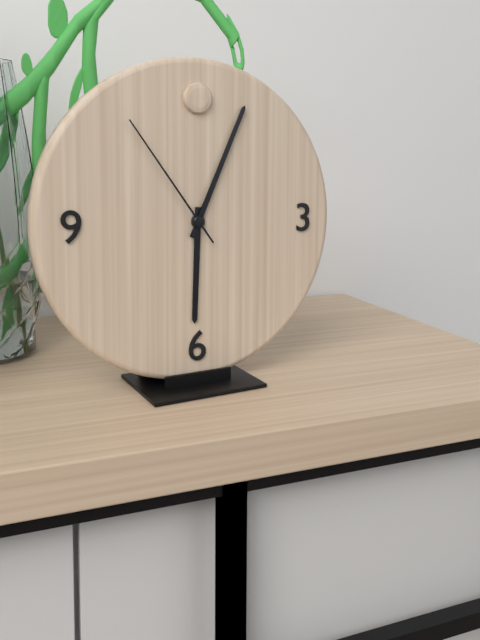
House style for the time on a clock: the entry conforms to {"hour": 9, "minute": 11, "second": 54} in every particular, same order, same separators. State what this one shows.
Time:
{"hour": 6, "minute": 4, "second": 54}
